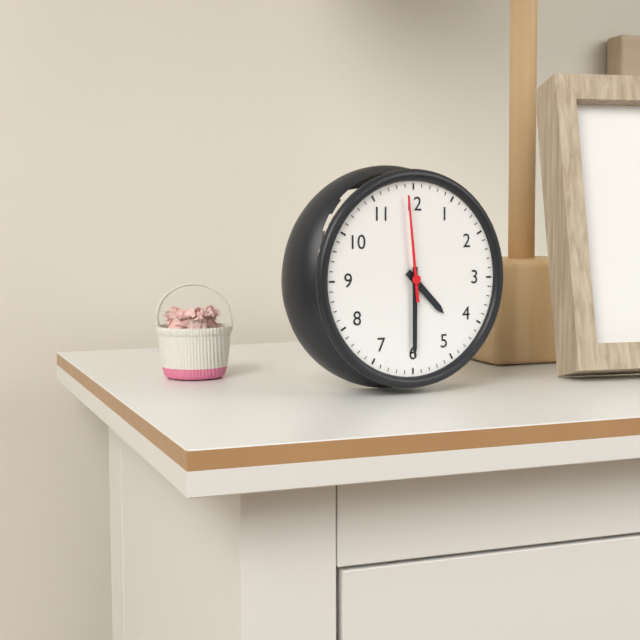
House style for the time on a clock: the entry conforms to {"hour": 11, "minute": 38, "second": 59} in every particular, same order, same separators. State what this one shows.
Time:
{"hour": 4, "minute": 30, "second": 59}
